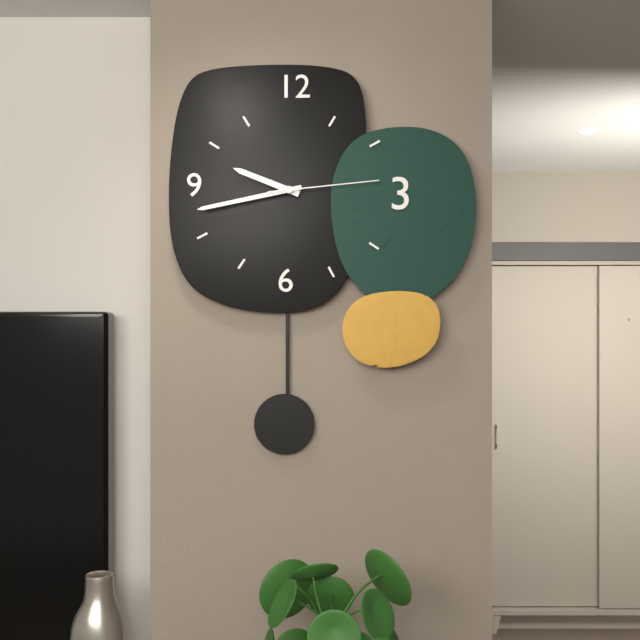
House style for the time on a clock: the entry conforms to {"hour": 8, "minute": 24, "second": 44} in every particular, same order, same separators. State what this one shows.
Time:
{"hour": 9, "minute": 43, "second": 14}
